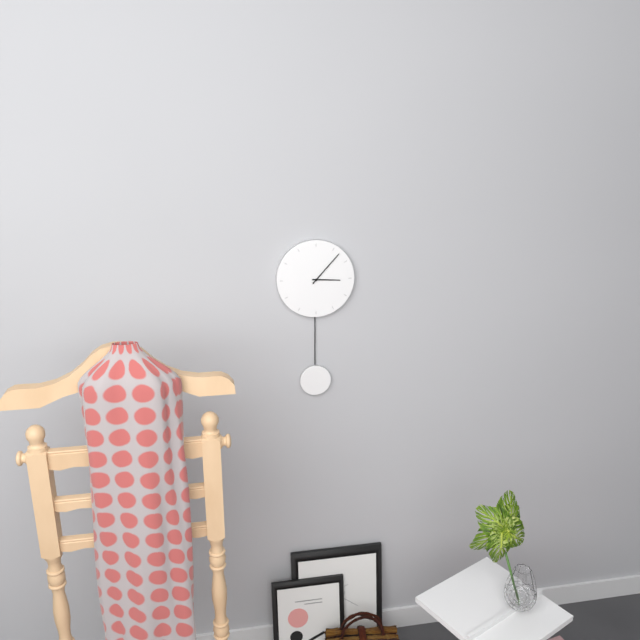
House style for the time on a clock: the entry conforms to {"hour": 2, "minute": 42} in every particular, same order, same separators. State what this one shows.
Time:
{"hour": 3, "minute": 7}
